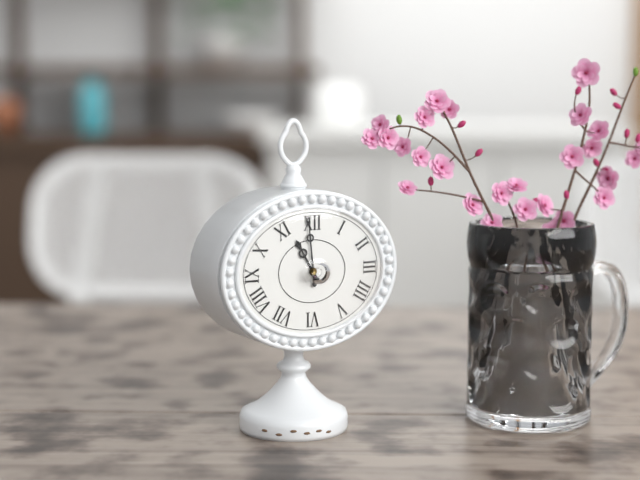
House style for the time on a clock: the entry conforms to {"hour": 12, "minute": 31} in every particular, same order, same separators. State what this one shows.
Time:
{"hour": 10, "minute": 59}
